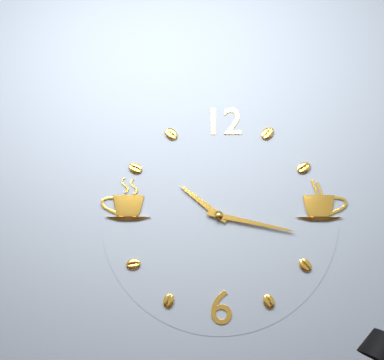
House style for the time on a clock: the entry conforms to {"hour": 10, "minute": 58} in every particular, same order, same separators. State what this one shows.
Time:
{"hour": 10, "minute": 17}
